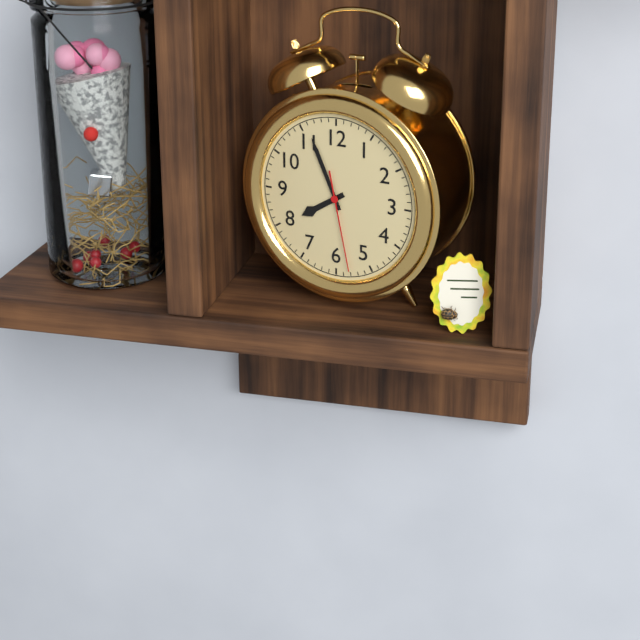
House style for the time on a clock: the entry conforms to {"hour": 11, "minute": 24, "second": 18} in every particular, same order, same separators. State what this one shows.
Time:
{"hour": 7, "minute": 56, "second": 28}
